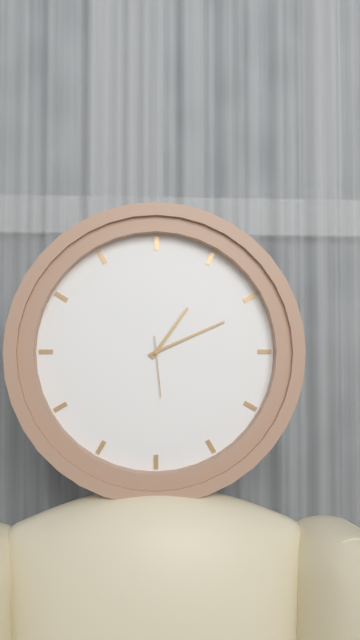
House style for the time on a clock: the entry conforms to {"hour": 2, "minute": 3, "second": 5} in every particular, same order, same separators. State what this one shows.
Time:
{"hour": 1, "minute": 11, "second": 29}
